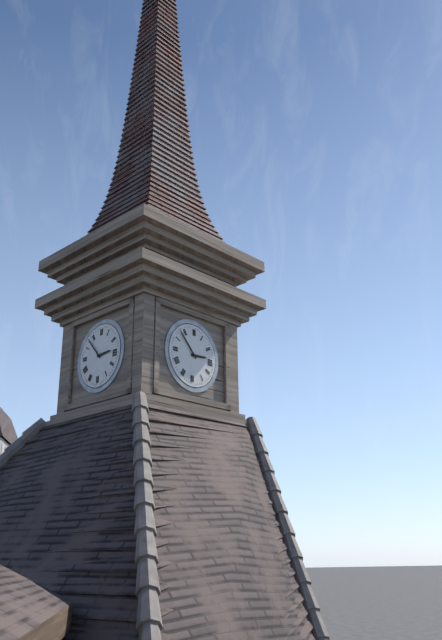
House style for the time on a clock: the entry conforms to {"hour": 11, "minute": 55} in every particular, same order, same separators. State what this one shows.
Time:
{"hour": 2, "minute": 53}
